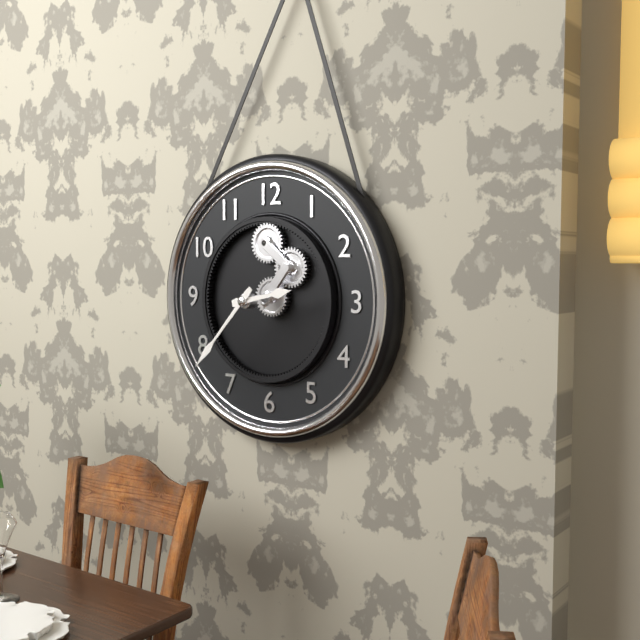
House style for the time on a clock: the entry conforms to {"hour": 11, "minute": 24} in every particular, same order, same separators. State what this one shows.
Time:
{"hour": 2, "minute": 37}
